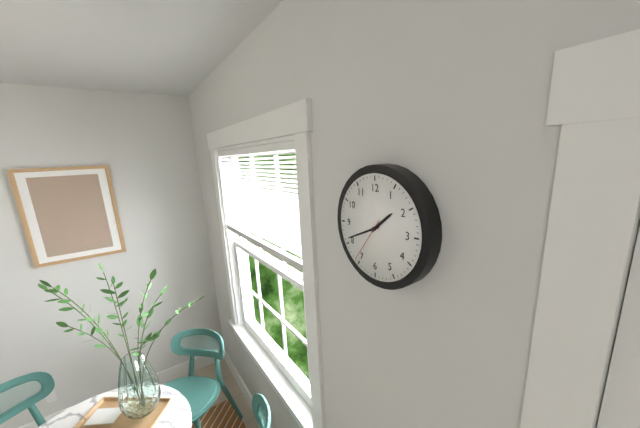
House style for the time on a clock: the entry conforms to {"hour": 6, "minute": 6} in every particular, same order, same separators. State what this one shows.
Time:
{"hour": 1, "minute": 41}
